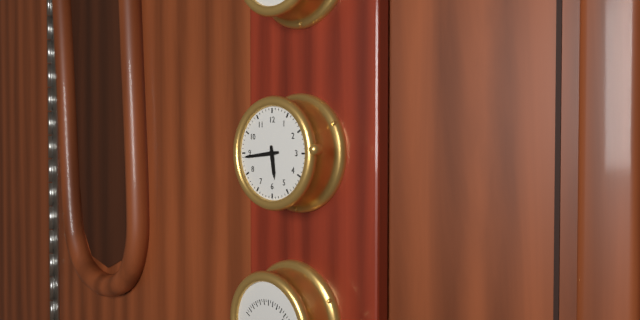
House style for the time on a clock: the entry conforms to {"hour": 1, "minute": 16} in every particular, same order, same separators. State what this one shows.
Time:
{"hour": 5, "minute": 44}
